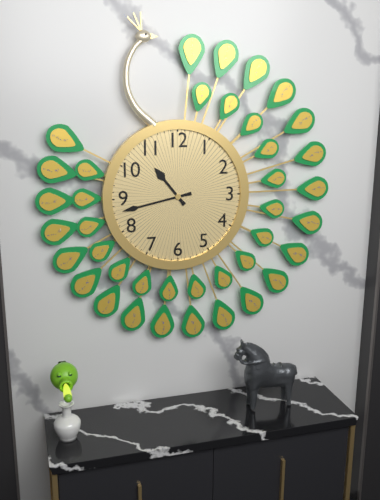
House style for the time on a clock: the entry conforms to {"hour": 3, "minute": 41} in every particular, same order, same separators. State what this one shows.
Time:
{"hour": 10, "minute": 43}
